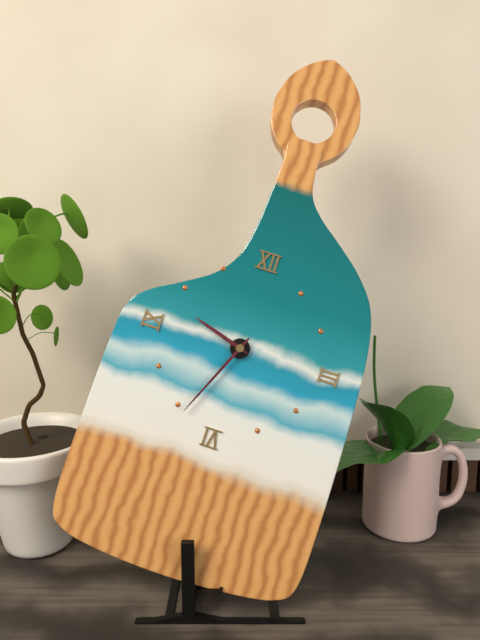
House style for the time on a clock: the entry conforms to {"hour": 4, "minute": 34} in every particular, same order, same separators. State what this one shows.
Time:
{"hour": 9, "minute": 34}
